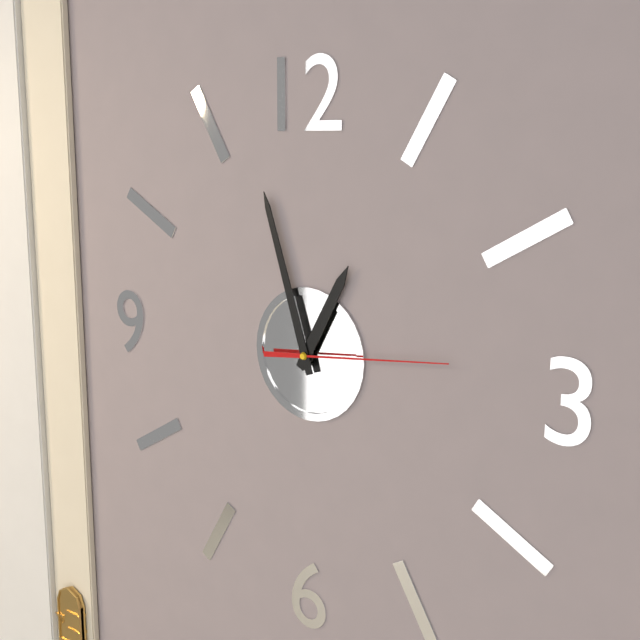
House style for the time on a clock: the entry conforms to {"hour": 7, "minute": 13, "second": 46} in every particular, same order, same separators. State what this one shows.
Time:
{"hour": 12, "minute": 57, "second": 14}
